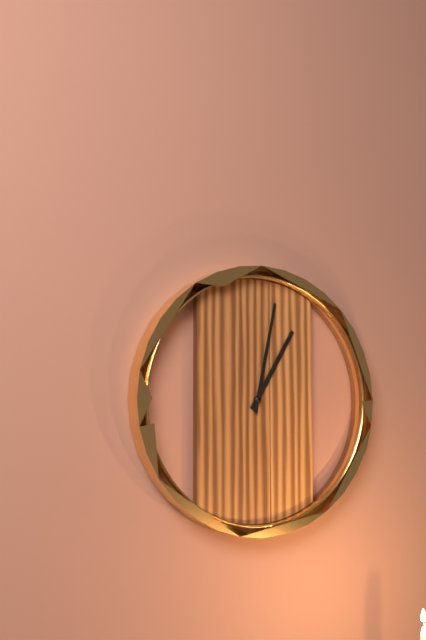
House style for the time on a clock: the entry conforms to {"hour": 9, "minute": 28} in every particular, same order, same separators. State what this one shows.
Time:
{"hour": 1, "minute": 2}
